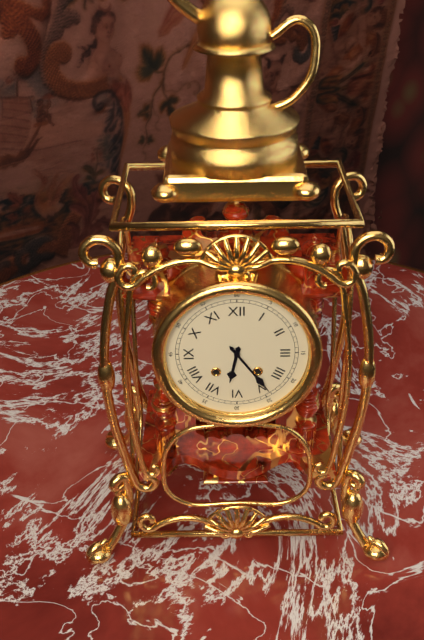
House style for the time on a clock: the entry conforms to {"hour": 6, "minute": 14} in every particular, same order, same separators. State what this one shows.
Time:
{"hour": 6, "minute": 24}
